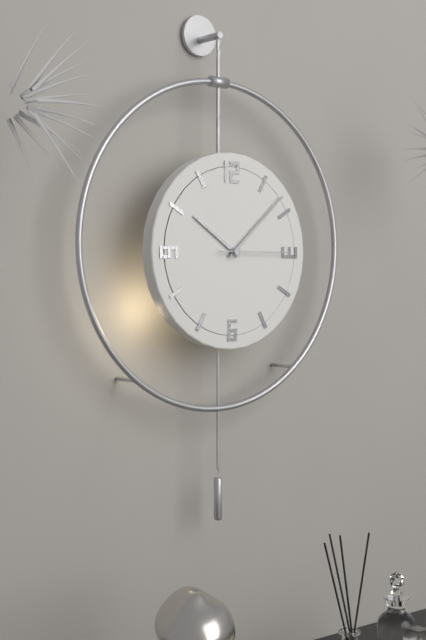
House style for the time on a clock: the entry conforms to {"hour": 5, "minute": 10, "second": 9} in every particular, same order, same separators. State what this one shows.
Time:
{"hour": 10, "minute": 8, "second": 15}
